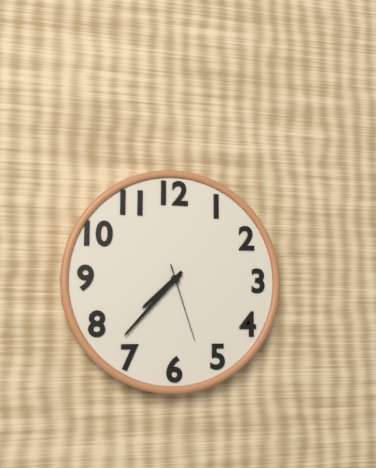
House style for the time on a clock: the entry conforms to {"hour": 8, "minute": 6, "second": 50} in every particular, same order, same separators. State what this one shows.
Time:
{"hour": 7, "minute": 37, "second": 27}
